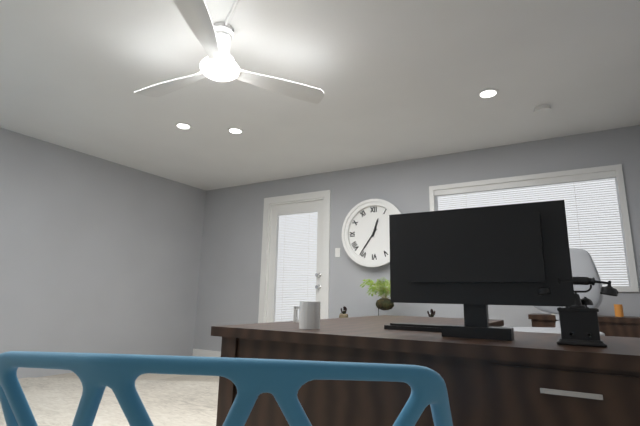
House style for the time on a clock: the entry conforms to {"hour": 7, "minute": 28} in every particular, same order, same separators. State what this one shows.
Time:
{"hour": 12, "minute": 36}
